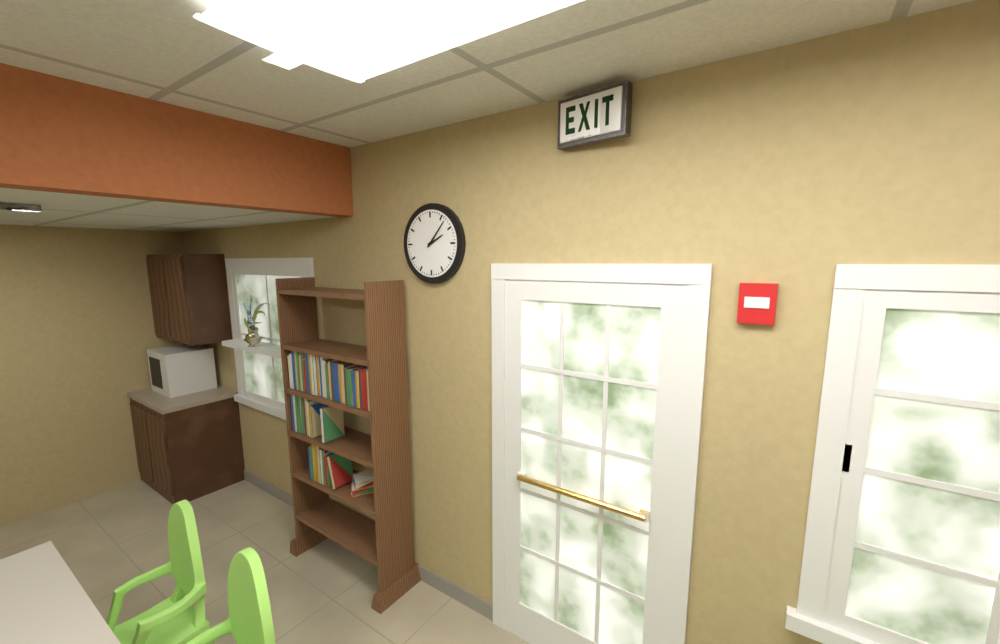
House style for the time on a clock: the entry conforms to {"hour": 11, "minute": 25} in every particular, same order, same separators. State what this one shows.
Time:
{"hour": 2, "minute": 7}
